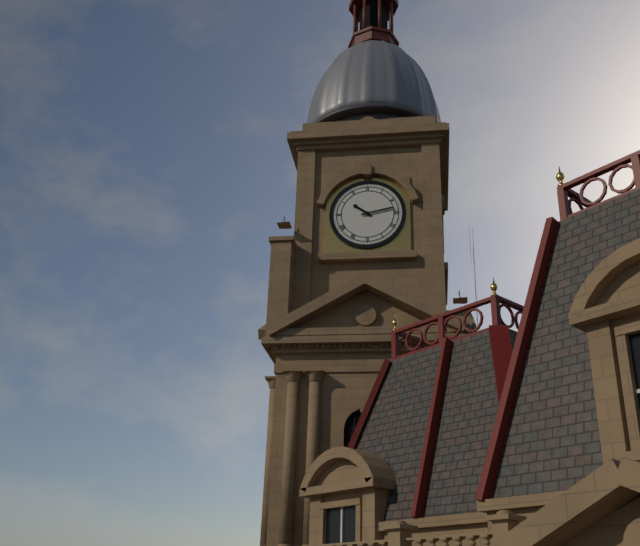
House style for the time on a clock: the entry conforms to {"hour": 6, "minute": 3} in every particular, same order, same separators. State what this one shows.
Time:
{"hour": 10, "minute": 13}
